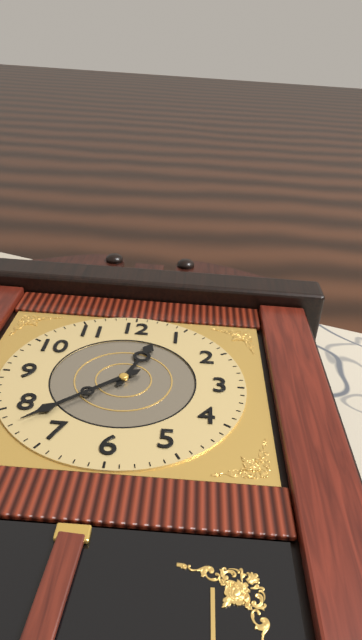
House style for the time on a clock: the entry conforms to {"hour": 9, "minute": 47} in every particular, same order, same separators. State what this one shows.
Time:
{"hour": 12, "minute": 38}
